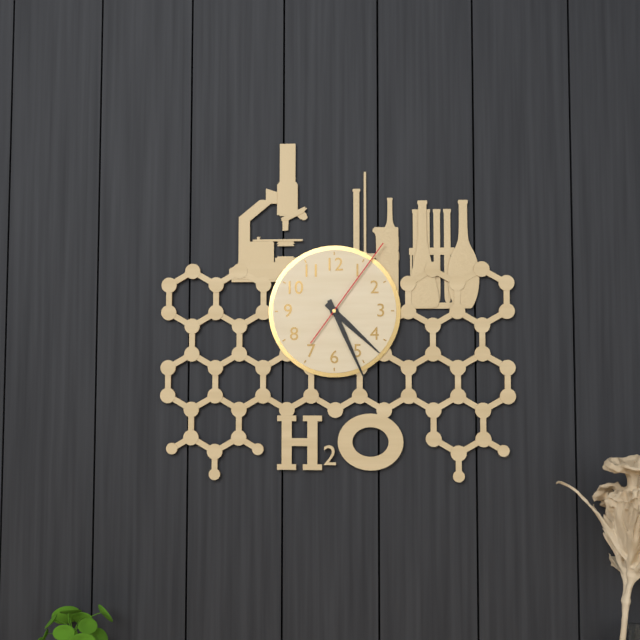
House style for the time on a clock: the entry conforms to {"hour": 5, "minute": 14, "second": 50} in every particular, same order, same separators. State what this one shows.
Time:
{"hour": 4, "minute": 26, "second": 6}
